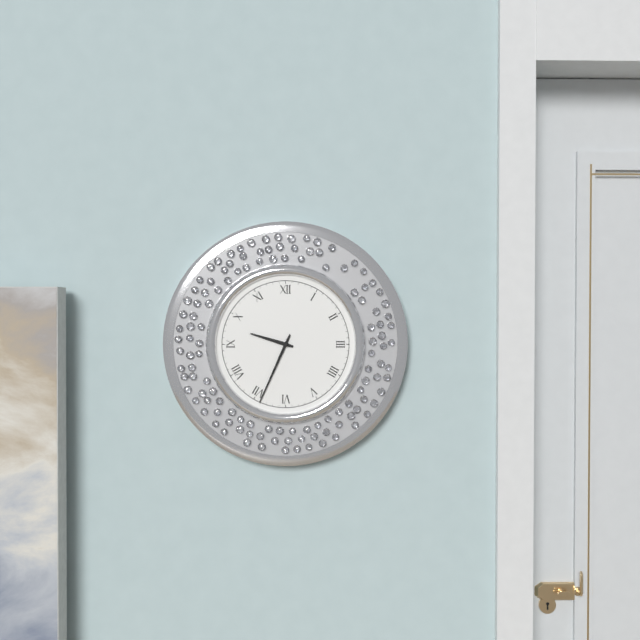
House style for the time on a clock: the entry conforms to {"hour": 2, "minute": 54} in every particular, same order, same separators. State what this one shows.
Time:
{"hour": 9, "minute": 34}
